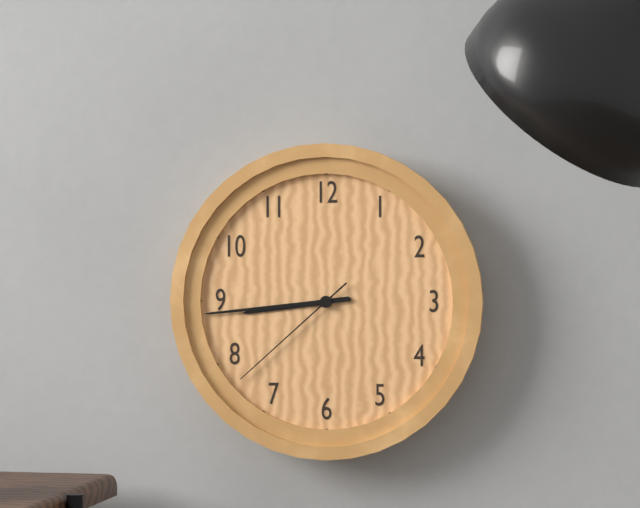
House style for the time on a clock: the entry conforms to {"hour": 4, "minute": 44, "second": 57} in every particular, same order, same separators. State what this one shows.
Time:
{"hour": 8, "minute": 44, "second": 38}
